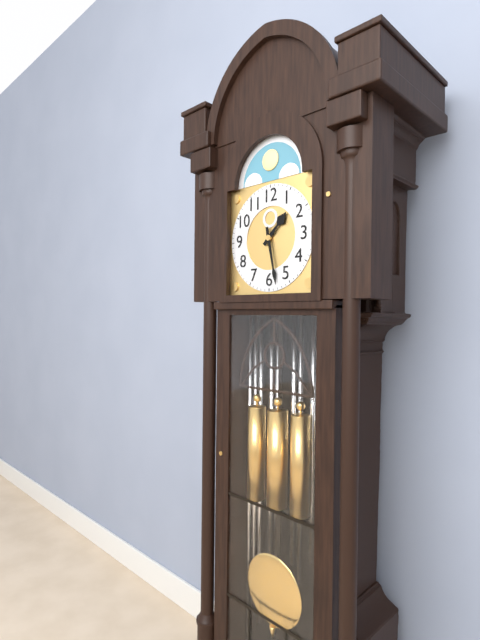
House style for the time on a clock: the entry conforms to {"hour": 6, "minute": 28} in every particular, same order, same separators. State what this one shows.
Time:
{"hour": 1, "minute": 28}
